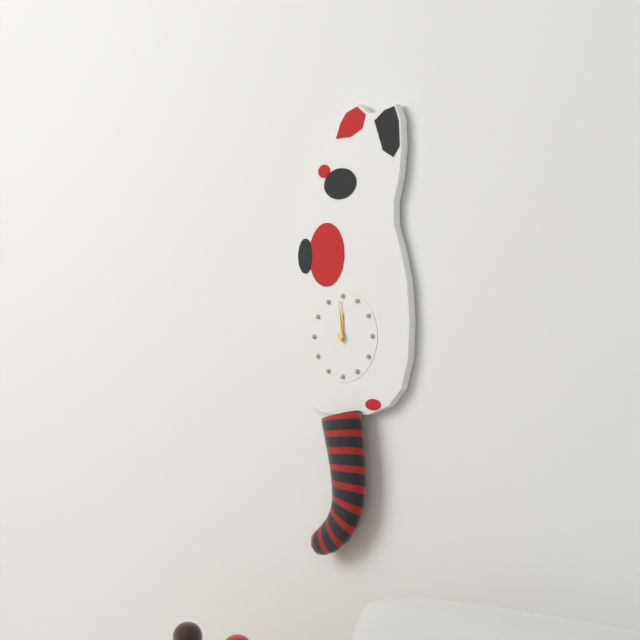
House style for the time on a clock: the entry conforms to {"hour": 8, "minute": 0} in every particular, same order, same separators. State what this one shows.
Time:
{"hour": 11, "minute": 59}
